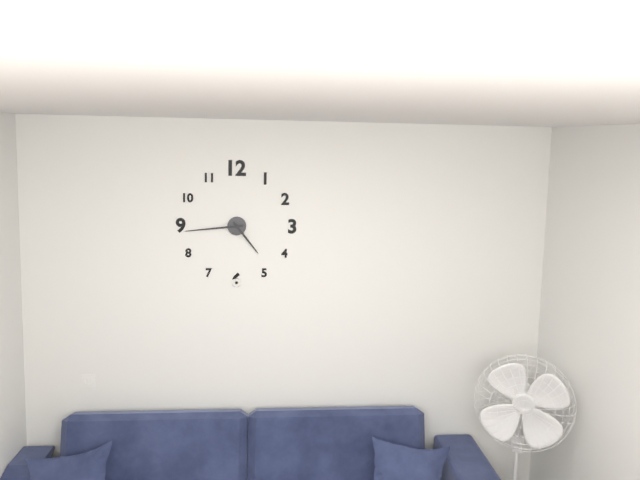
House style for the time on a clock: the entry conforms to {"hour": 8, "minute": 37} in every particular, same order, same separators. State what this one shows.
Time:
{"hour": 4, "minute": 44}
